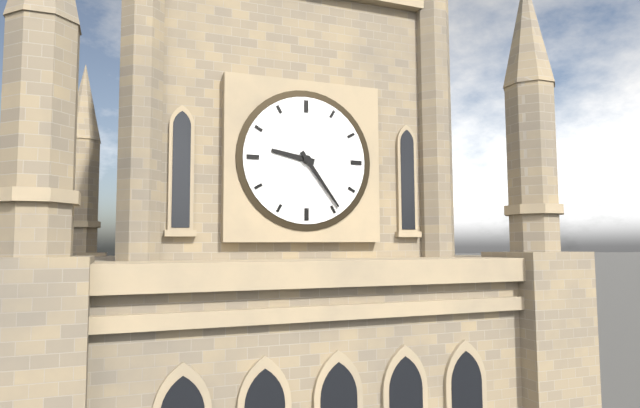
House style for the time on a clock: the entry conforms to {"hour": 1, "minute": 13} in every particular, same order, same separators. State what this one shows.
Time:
{"hour": 9, "minute": 24}
